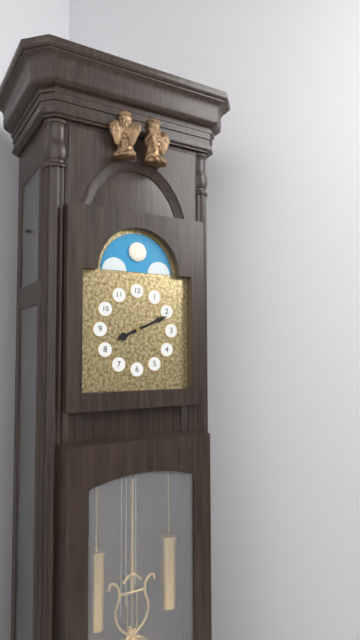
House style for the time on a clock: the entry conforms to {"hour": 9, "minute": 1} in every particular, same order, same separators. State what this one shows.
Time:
{"hour": 8, "minute": 11}
